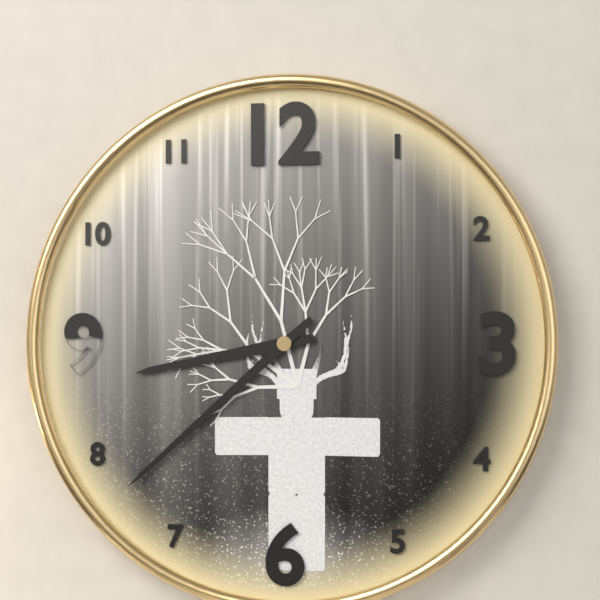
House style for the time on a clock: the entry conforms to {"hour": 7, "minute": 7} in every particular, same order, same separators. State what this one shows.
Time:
{"hour": 8, "minute": 38}
